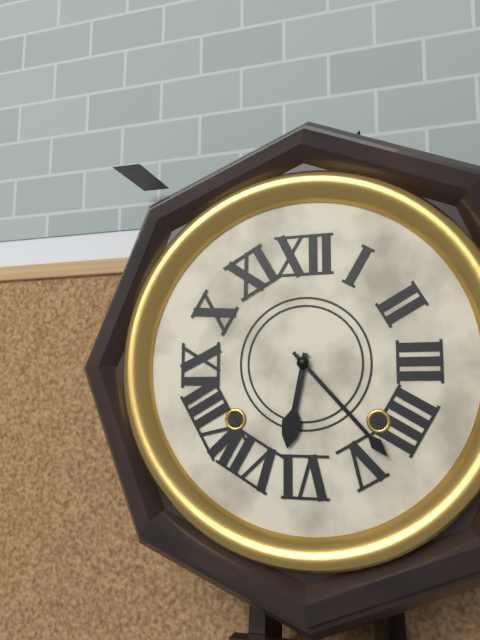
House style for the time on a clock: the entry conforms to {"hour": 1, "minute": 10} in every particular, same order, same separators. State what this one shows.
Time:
{"hour": 6, "minute": 23}
